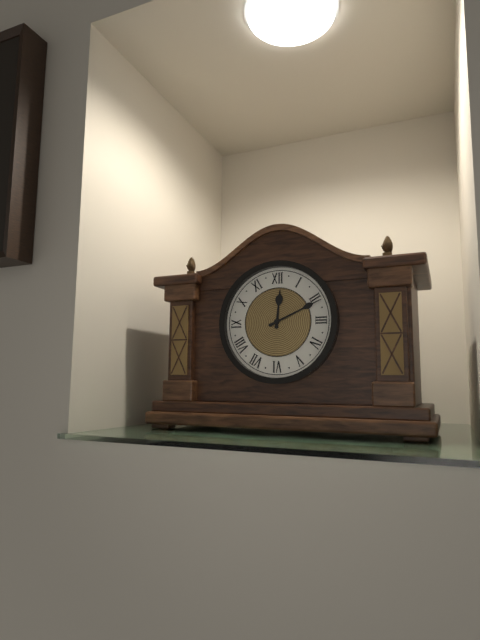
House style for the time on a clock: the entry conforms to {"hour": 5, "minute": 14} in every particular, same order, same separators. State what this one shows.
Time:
{"hour": 12, "minute": 11}
